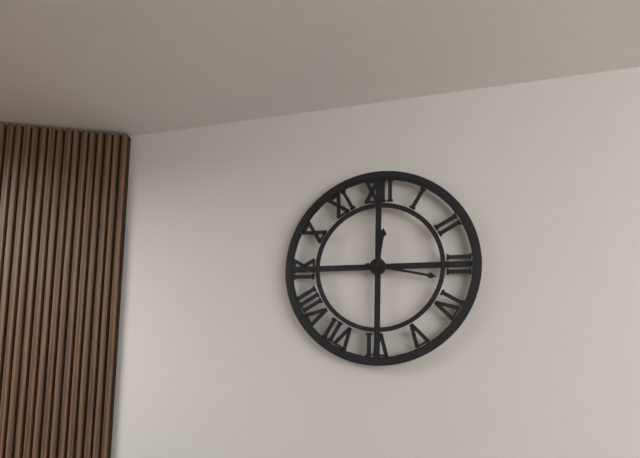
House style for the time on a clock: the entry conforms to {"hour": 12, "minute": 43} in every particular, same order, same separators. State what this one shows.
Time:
{"hour": 12, "minute": 17}
